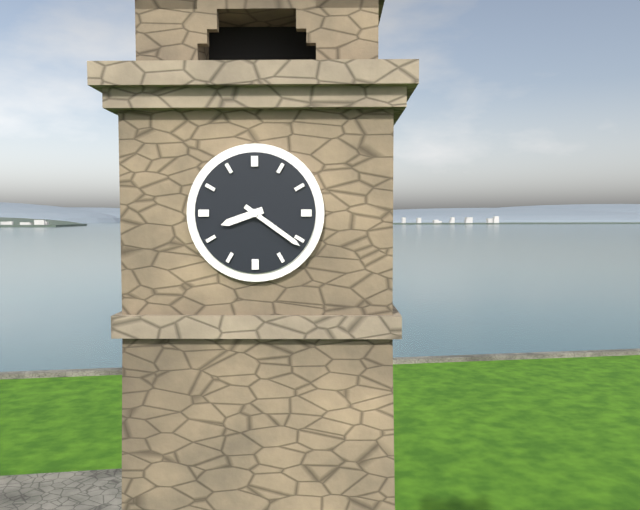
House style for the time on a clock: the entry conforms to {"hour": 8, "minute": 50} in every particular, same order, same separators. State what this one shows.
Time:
{"hour": 8, "minute": 21}
